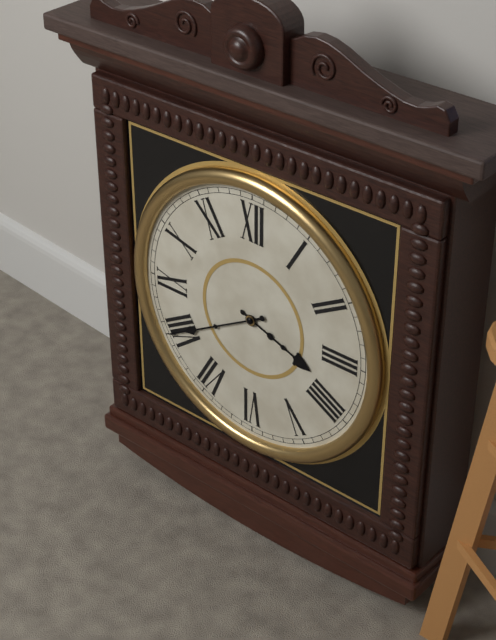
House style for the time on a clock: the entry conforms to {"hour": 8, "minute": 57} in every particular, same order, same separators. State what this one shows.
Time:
{"hour": 3, "minute": 40}
